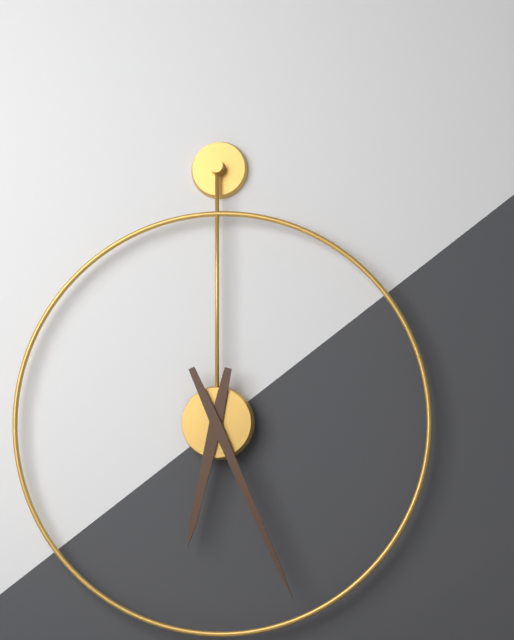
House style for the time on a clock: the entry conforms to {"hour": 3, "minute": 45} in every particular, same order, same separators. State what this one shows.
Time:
{"hour": 6, "minute": 26}
